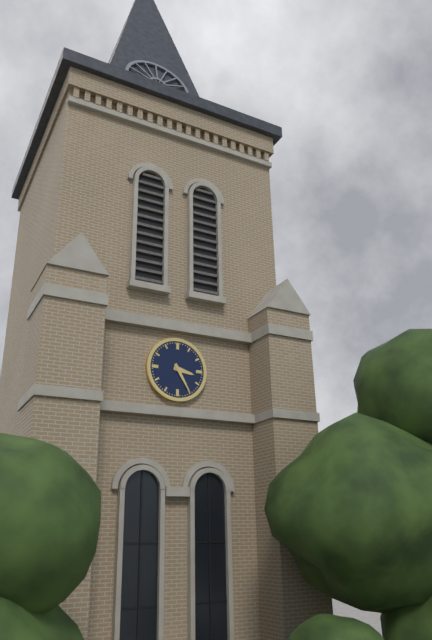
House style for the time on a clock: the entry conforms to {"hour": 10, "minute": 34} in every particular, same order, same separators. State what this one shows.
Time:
{"hour": 3, "minute": 25}
